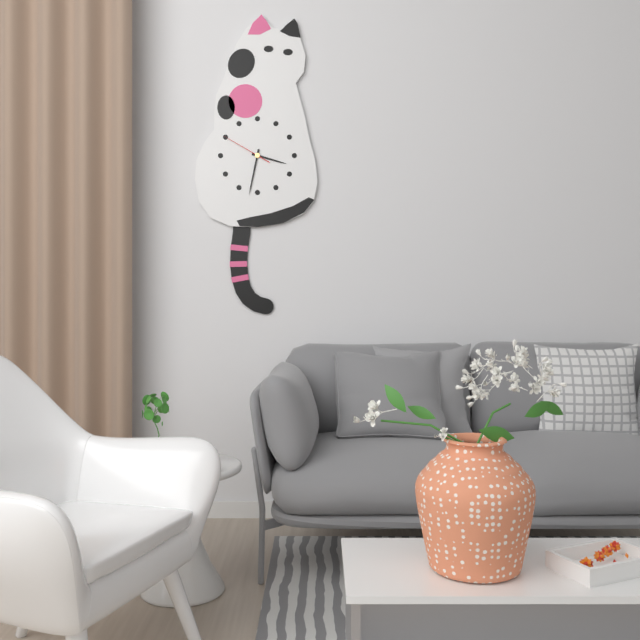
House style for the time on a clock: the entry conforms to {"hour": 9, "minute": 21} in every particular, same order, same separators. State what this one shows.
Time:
{"hour": 3, "minute": 32}
